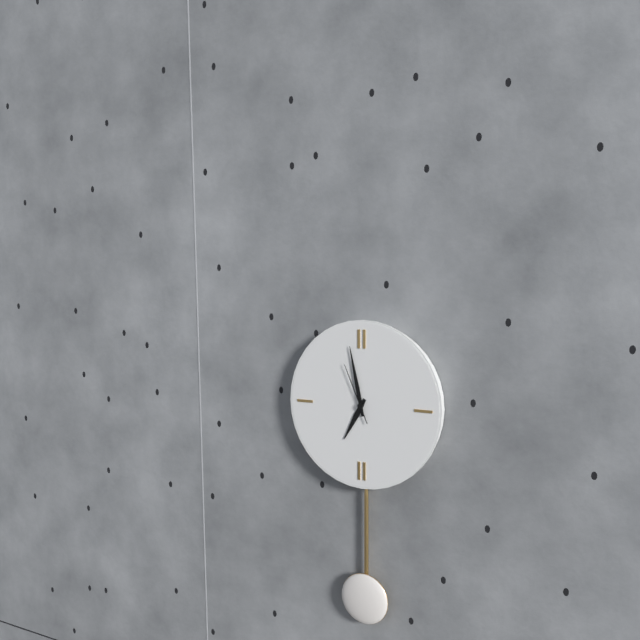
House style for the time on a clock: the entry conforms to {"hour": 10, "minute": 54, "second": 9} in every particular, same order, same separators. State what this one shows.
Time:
{"hour": 6, "minute": 58, "second": 56}
